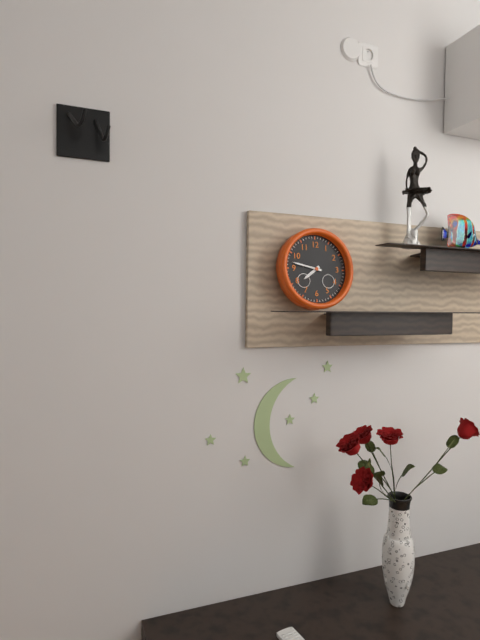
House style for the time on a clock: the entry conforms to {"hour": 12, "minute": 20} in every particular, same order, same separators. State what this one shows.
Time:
{"hour": 7, "minute": 47}
